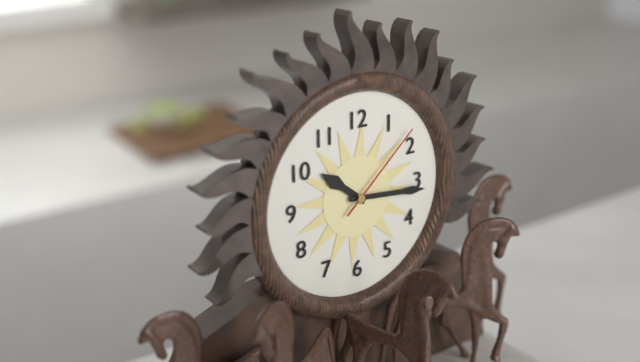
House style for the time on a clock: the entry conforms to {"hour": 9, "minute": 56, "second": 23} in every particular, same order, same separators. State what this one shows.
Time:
{"hour": 10, "minute": 16, "second": 8}
